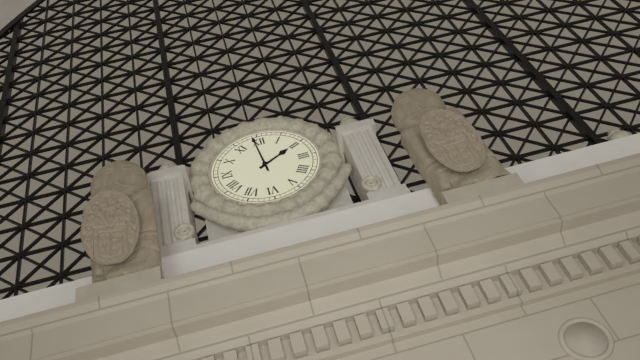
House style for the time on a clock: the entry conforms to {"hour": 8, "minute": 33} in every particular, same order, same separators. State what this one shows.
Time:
{"hour": 1, "minute": 59}
